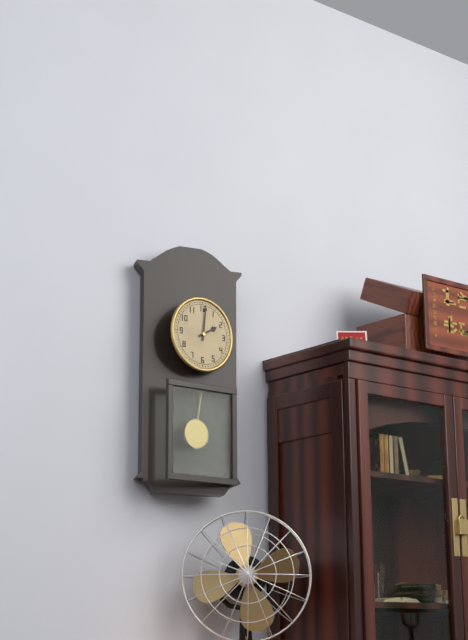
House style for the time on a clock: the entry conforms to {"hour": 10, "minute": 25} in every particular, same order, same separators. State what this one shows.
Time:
{"hour": 2, "minute": 1}
